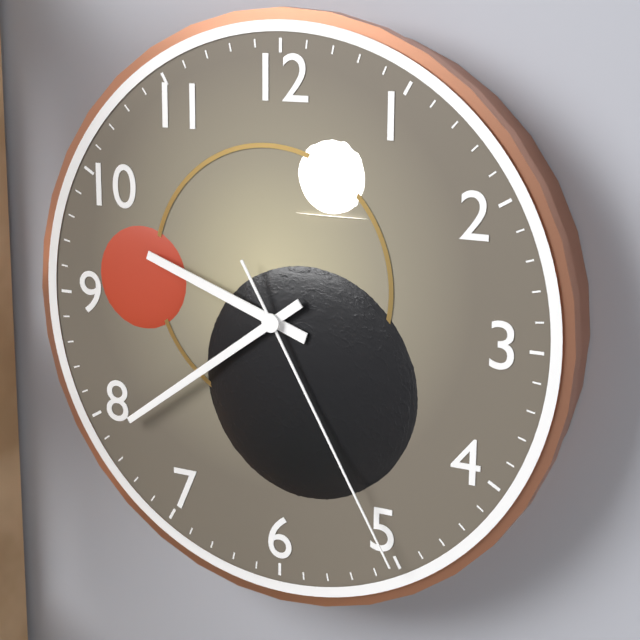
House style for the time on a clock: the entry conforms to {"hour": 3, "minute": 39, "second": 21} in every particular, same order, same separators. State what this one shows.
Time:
{"hour": 9, "minute": 39, "second": 25}
